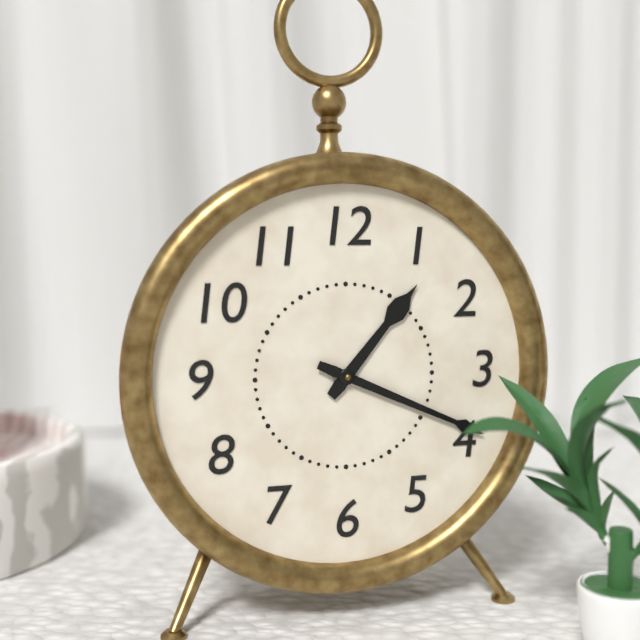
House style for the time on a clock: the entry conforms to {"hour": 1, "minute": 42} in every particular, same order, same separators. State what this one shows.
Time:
{"hour": 1, "minute": 19}
